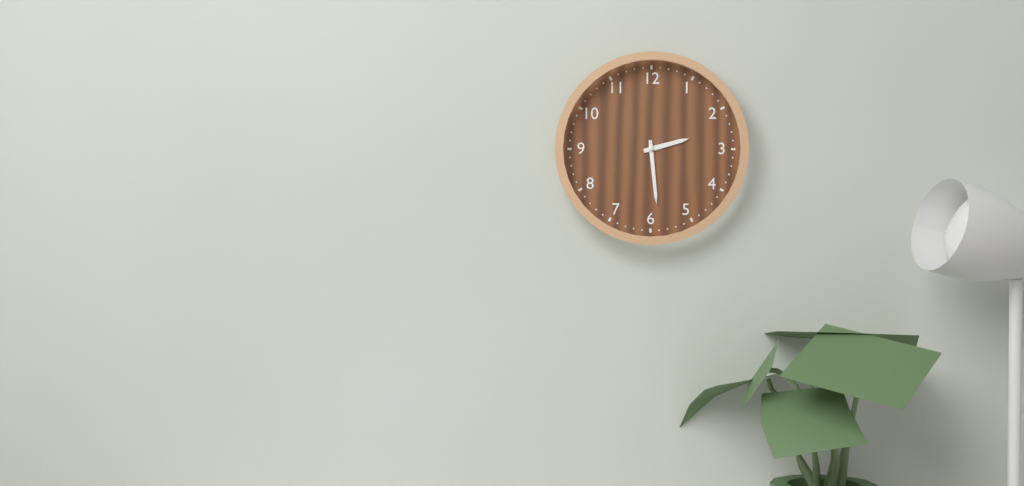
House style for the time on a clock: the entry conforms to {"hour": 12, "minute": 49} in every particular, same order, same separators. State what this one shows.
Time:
{"hour": 2, "minute": 29}
